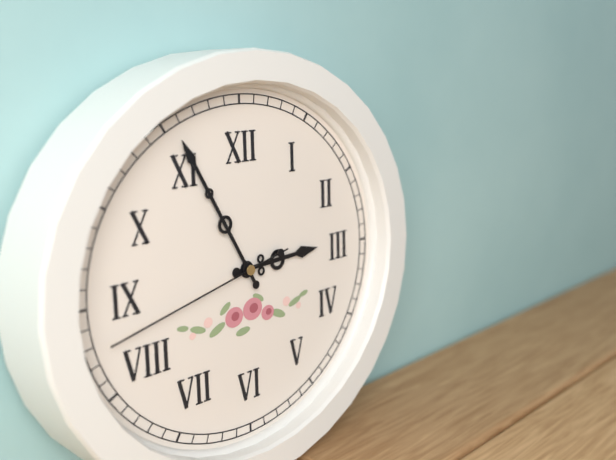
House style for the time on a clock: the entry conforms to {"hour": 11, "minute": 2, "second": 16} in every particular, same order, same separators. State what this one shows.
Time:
{"hour": 2, "minute": 55, "second": 43}
